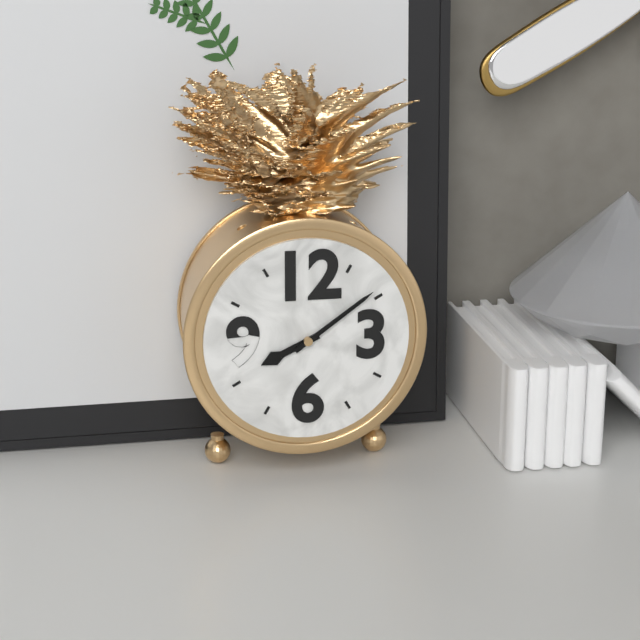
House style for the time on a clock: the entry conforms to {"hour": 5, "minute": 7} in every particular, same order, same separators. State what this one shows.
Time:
{"hour": 8, "minute": 9}
